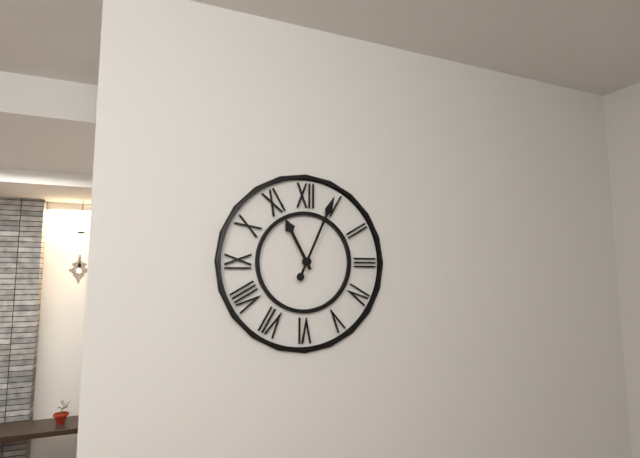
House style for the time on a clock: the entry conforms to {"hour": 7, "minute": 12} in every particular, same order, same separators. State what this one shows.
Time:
{"hour": 11, "minute": 4}
